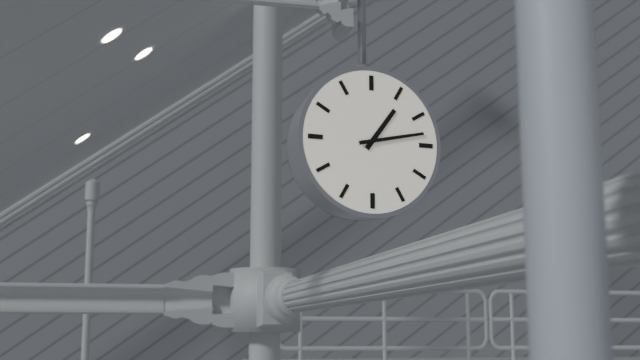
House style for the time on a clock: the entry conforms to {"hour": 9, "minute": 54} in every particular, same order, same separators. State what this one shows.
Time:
{"hour": 1, "minute": 13}
